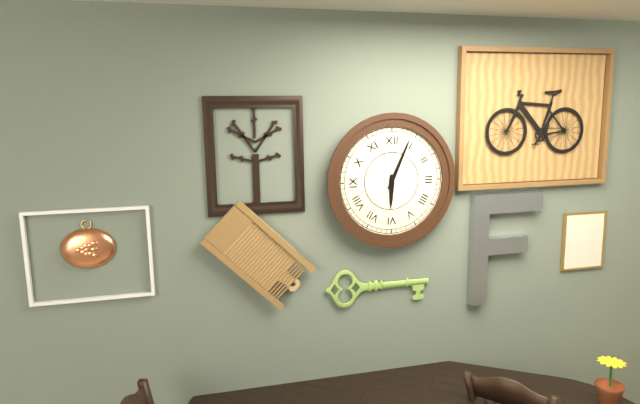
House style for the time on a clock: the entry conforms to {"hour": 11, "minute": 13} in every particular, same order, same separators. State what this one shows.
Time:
{"hour": 6, "minute": 4}
